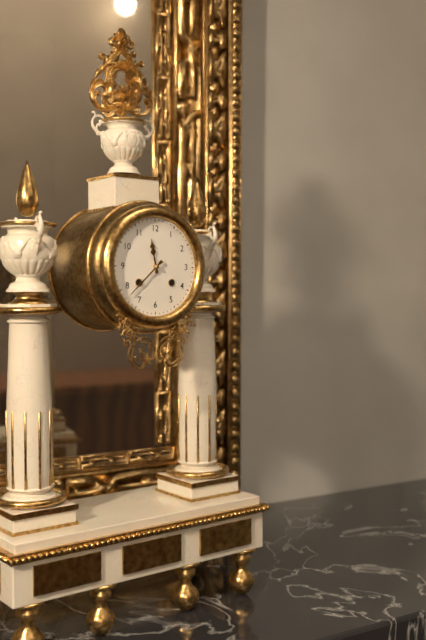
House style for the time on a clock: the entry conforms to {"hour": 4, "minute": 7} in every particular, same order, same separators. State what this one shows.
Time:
{"hour": 11, "minute": 38}
